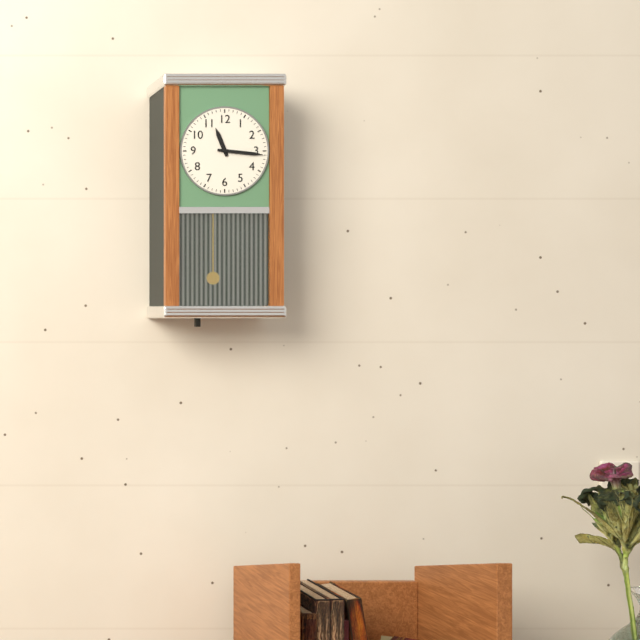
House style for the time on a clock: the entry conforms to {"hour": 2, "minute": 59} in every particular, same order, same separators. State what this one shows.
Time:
{"hour": 11, "minute": 16}
